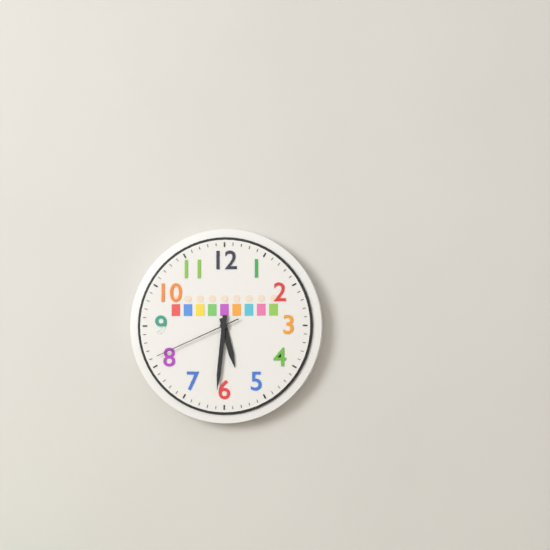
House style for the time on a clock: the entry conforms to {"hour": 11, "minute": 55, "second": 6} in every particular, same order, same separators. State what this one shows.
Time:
{"hour": 5, "minute": 31, "second": 41}
